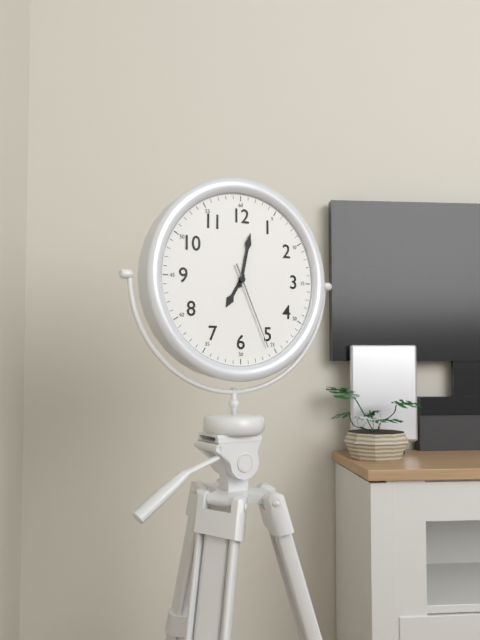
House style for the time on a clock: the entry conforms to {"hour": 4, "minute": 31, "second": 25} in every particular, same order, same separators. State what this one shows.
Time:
{"hour": 7, "minute": 2, "second": 26}
